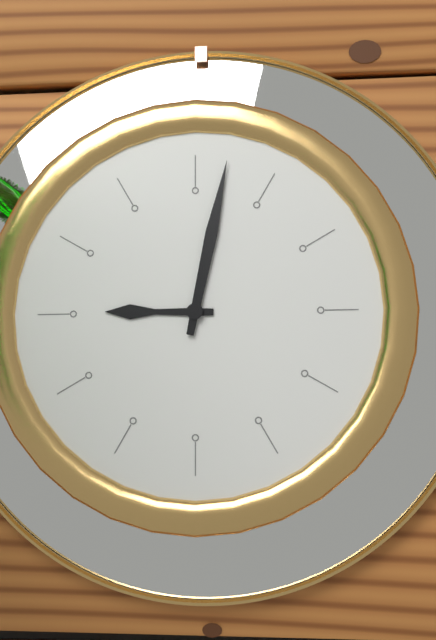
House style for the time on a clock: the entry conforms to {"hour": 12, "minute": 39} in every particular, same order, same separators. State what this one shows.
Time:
{"hour": 9, "minute": 2}
